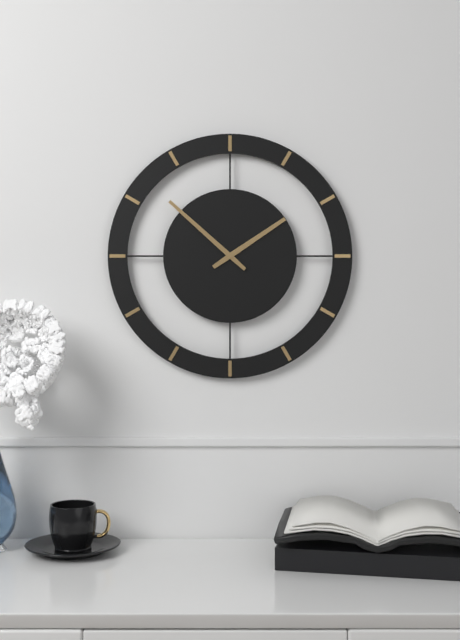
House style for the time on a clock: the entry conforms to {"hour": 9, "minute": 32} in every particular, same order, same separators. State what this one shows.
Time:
{"hour": 1, "minute": 52}
